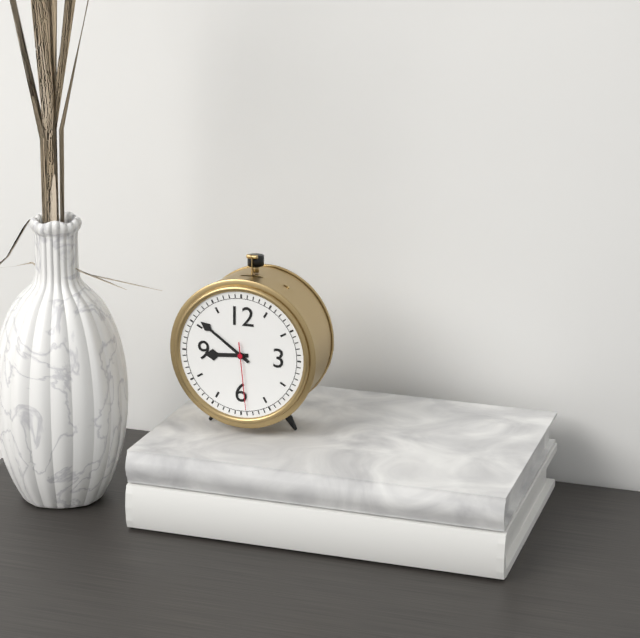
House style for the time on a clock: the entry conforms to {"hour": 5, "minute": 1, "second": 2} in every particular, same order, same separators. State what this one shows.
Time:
{"hour": 8, "minute": 51, "second": 29}
